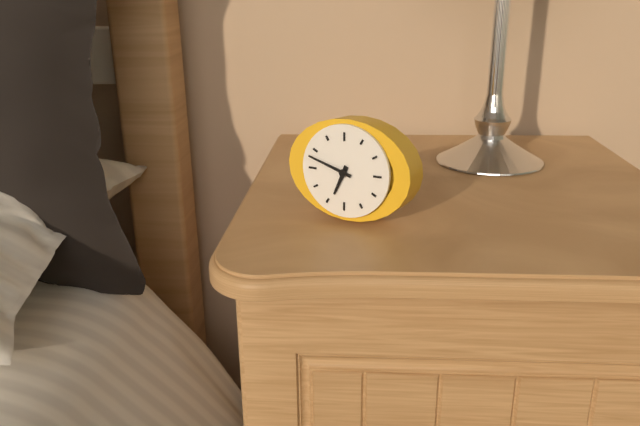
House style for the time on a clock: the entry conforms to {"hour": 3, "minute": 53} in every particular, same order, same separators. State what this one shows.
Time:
{"hour": 6, "minute": 48}
